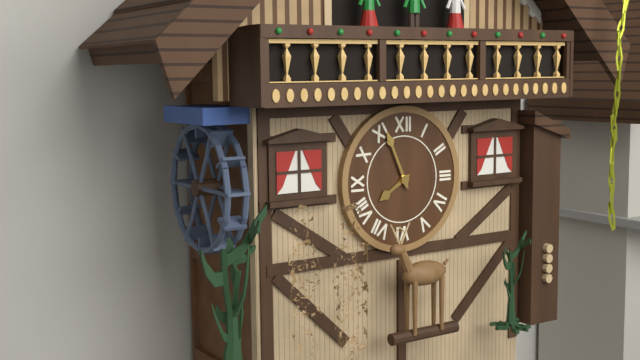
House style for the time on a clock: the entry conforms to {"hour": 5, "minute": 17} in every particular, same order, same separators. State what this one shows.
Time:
{"hour": 7, "minute": 56}
